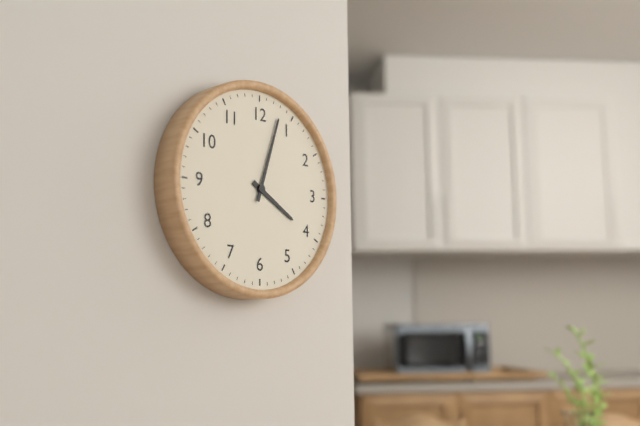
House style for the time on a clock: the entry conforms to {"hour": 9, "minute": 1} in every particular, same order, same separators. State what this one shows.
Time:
{"hour": 4, "minute": 3}
